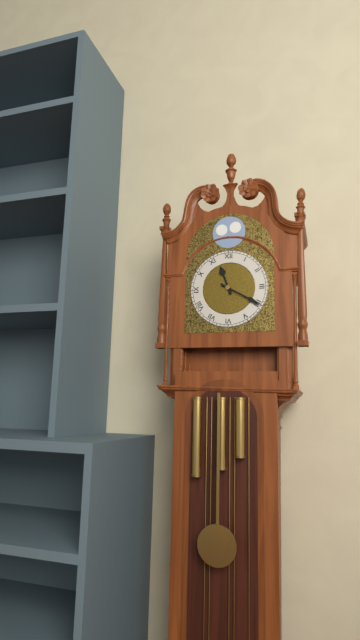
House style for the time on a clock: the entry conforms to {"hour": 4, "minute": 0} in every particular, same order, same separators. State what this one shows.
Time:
{"hour": 11, "minute": 20}
